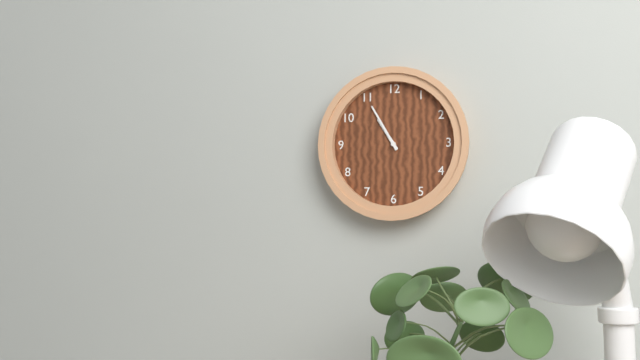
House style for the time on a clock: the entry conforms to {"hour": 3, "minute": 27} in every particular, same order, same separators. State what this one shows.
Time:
{"hour": 10, "minute": 55}
